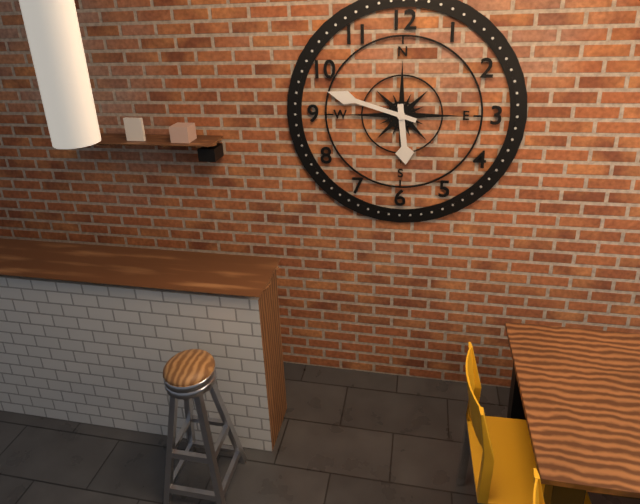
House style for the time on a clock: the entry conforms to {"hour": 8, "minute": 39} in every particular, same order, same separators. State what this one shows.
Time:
{"hour": 5, "minute": 48}
